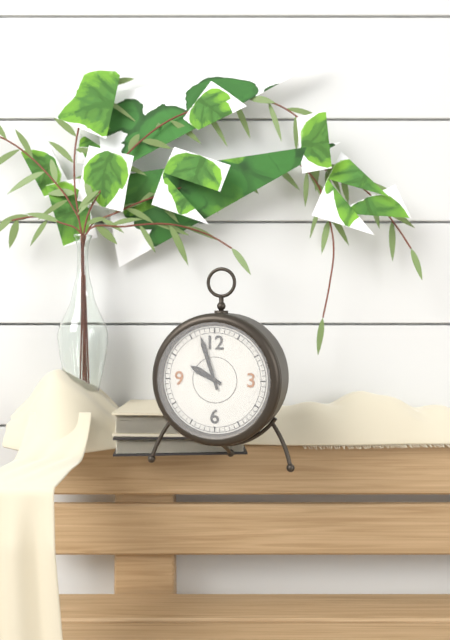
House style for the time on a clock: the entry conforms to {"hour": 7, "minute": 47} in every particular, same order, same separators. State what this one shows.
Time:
{"hour": 9, "minute": 57}
